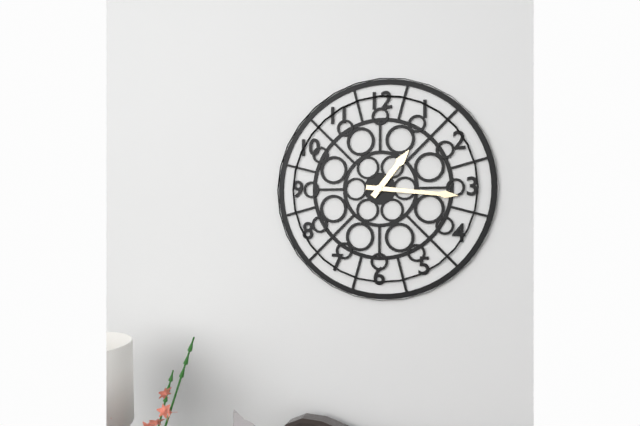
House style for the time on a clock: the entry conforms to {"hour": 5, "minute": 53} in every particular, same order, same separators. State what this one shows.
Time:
{"hour": 1, "minute": 16}
